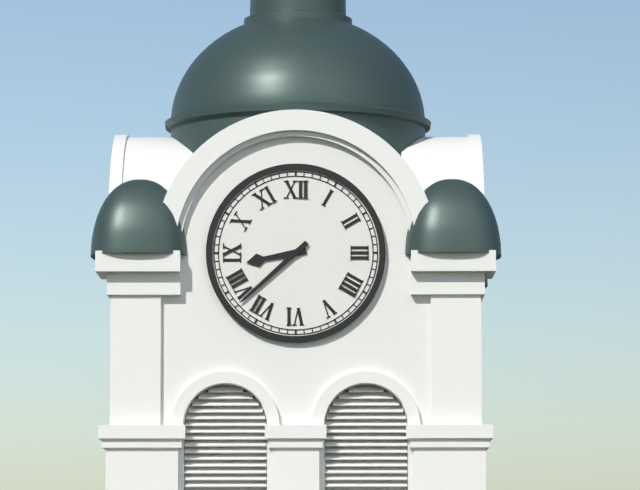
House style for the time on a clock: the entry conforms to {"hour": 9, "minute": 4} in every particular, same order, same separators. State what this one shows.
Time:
{"hour": 8, "minute": 38}
